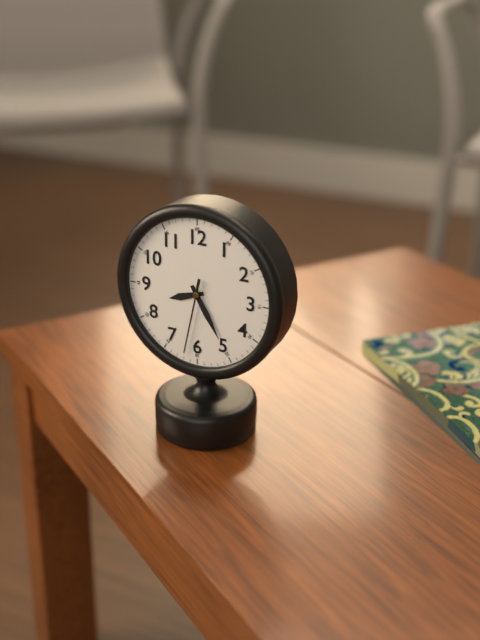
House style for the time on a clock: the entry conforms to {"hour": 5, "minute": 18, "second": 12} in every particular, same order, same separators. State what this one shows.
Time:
{"hour": 8, "minute": 25, "second": 32}
